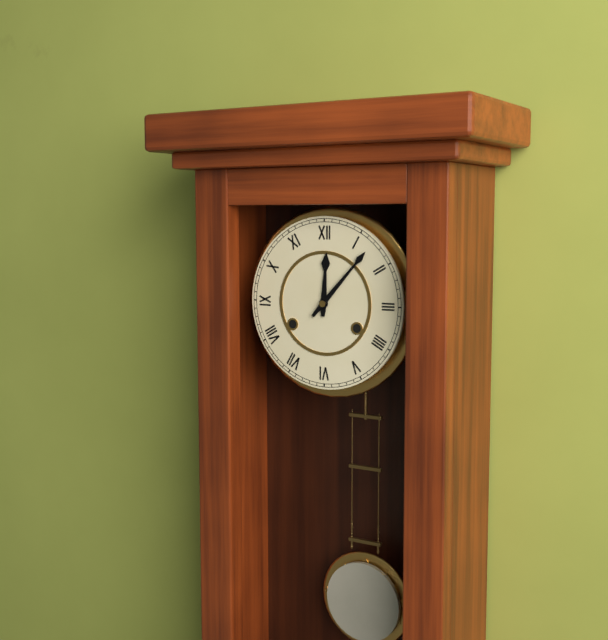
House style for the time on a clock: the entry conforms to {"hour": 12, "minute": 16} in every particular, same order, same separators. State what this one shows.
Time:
{"hour": 12, "minute": 7}
